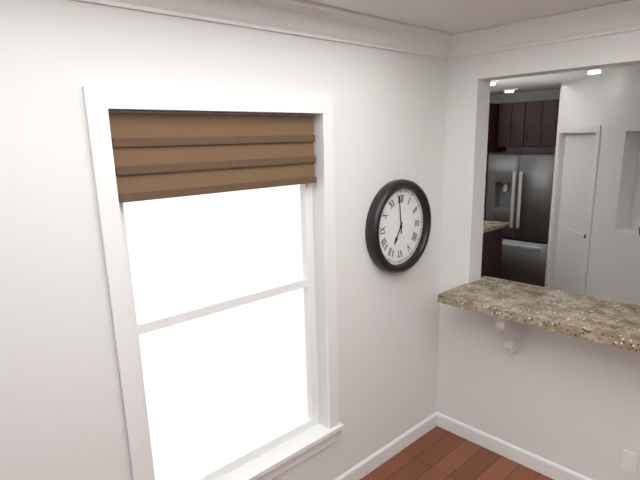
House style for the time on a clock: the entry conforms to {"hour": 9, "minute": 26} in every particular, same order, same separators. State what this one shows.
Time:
{"hour": 6, "minute": 59}
